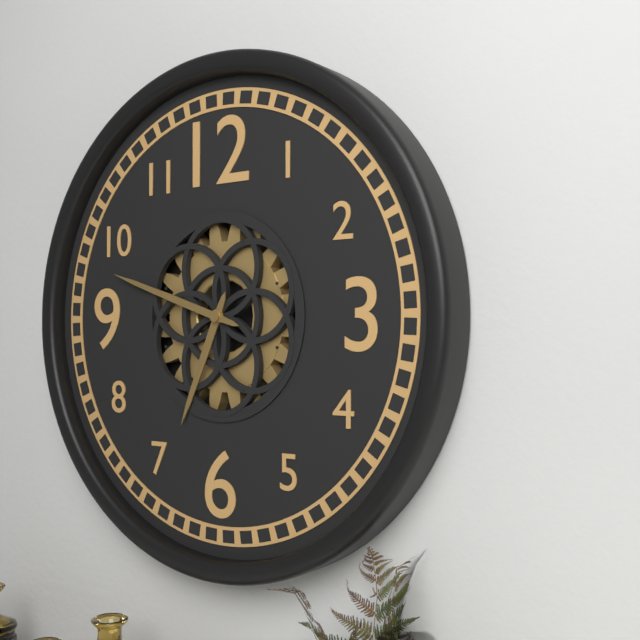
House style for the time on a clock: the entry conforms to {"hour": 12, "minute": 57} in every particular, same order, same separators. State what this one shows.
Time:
{"hour": 6, "minute": 48}
